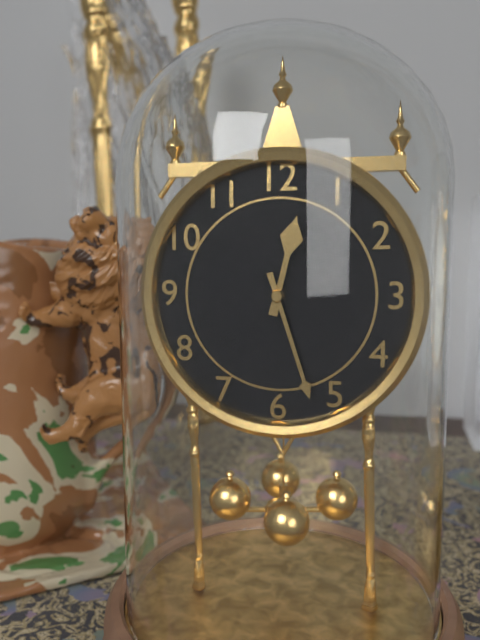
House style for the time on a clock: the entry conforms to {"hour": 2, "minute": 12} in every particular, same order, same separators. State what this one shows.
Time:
{"hour": 12, "minute": 27}
